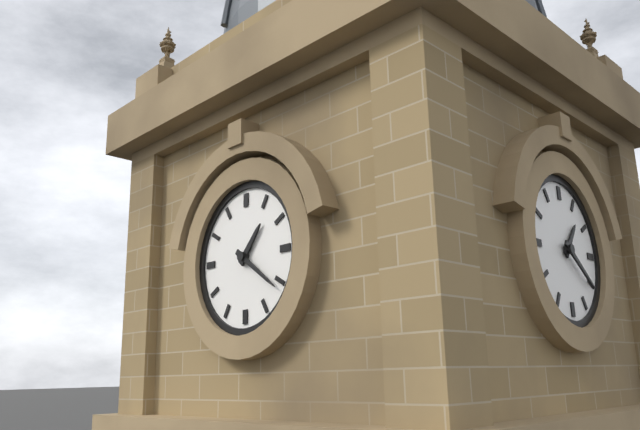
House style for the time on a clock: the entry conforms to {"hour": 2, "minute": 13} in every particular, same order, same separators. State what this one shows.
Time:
{"hour": 1, "minute": 21}
